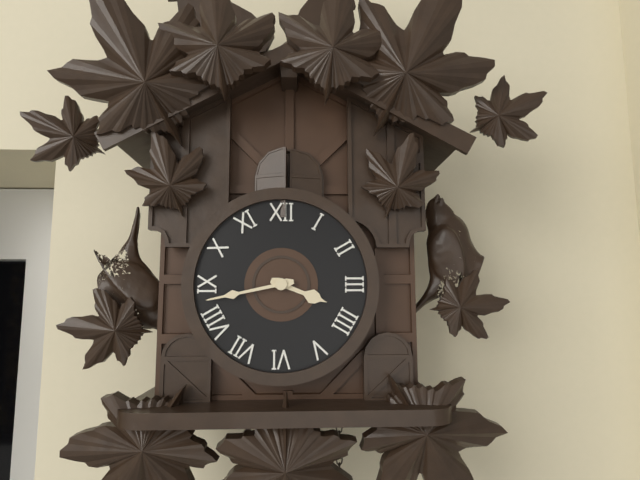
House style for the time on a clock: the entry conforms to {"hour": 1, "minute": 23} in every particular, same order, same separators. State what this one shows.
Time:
{"hour": 3, "minute": 43}
